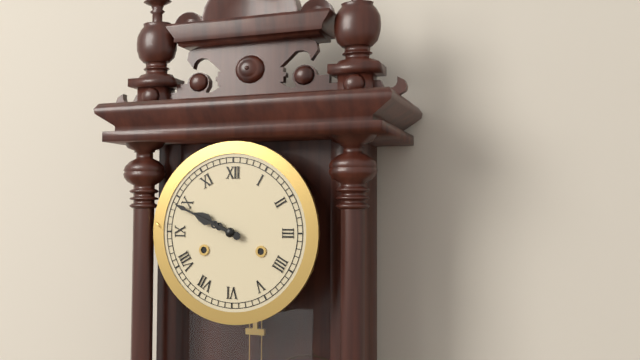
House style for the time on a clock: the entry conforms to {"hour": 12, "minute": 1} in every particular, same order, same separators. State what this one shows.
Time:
{"hour": 9, "minute": 49}
